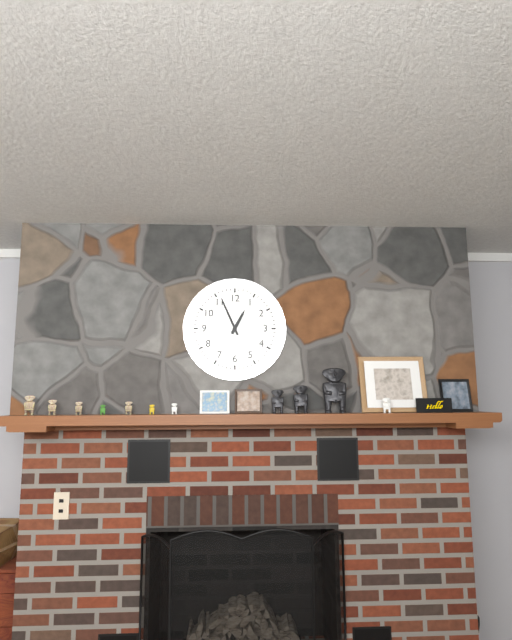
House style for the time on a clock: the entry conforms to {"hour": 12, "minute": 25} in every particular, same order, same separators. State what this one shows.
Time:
{"hour": 12, "minute": 56}
